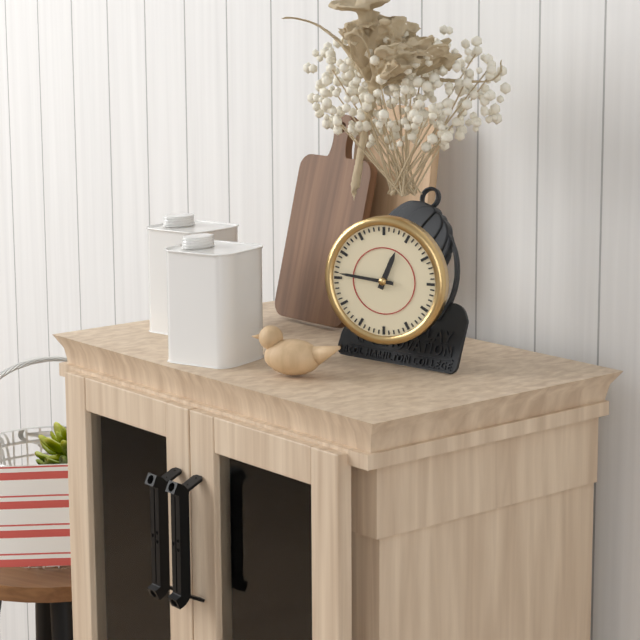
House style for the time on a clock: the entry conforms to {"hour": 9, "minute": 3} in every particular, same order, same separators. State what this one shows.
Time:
{"hour": 12, "minute": 46}
